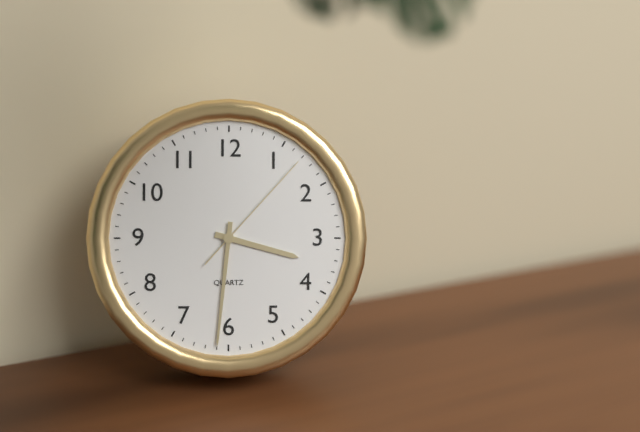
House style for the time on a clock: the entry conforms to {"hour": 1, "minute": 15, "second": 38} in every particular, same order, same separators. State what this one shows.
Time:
{"hour": 3, "minute": 31, "second": 7}
